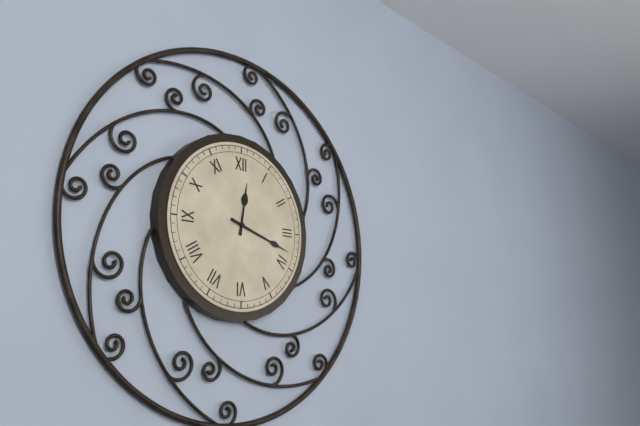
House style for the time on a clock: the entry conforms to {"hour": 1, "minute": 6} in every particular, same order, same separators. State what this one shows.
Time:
{"hour": 12, "minute": 18}
